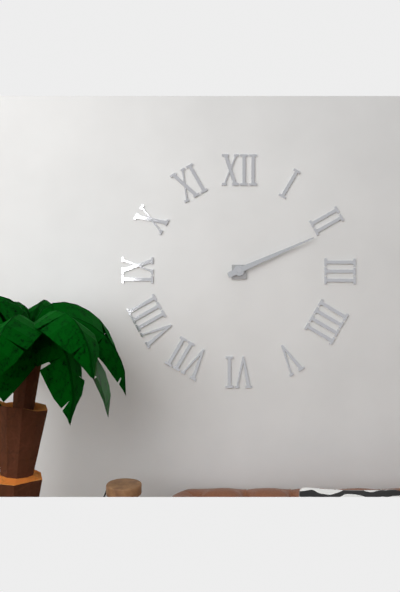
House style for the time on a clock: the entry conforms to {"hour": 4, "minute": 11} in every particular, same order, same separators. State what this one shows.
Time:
{"hour": 2, "minute": 11}
